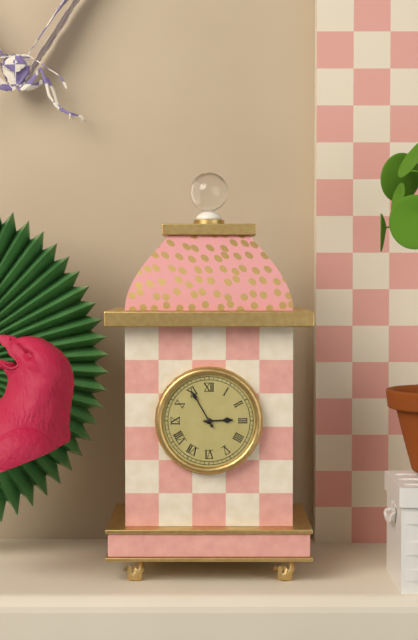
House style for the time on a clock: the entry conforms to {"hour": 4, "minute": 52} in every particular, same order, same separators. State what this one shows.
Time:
{"hour": 2, "minute": 55}
